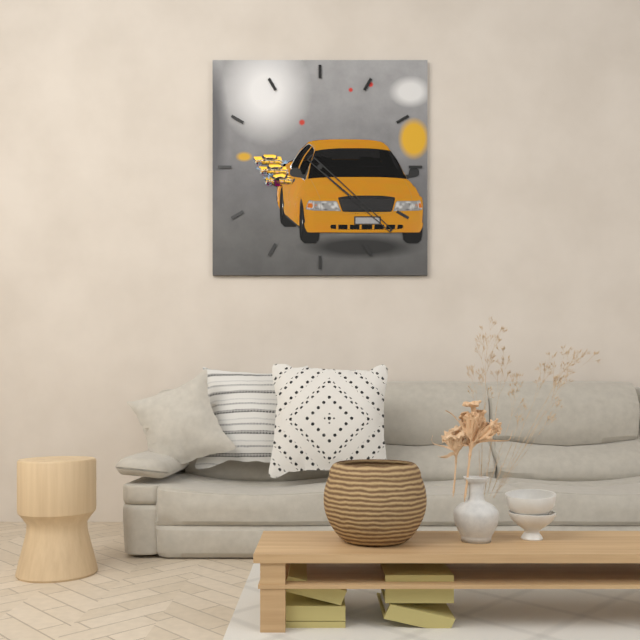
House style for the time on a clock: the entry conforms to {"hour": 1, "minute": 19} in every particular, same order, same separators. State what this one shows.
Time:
{"hour": 4, "minute": 22}
